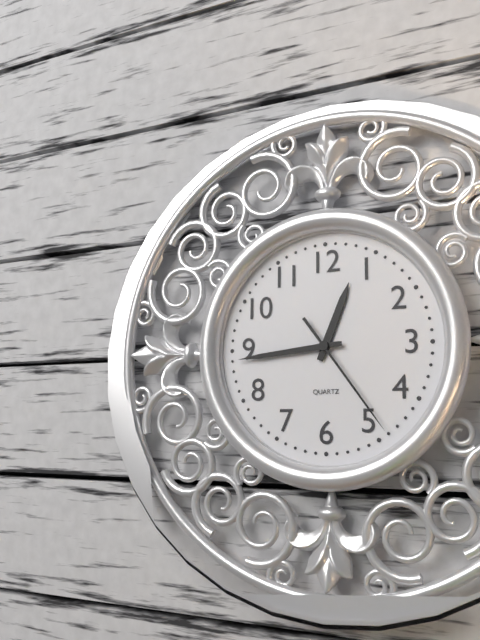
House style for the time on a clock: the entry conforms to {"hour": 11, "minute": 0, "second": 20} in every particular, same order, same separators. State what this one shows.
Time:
{"hour": 12, "minute": 44, "second": 24}
